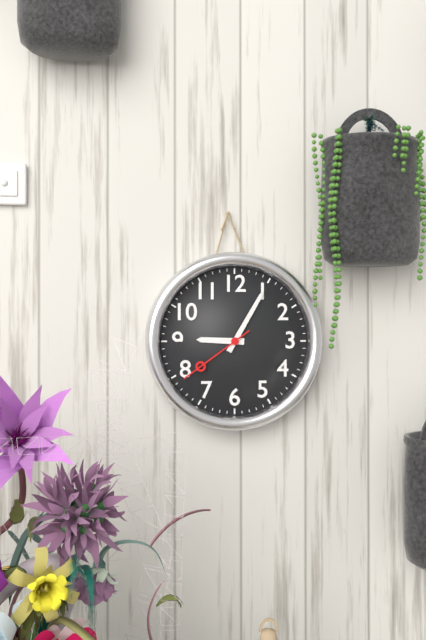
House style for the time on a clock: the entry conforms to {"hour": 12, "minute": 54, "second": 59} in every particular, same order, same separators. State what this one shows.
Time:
{"hour": 9, "minute": 5, "second": 39}
